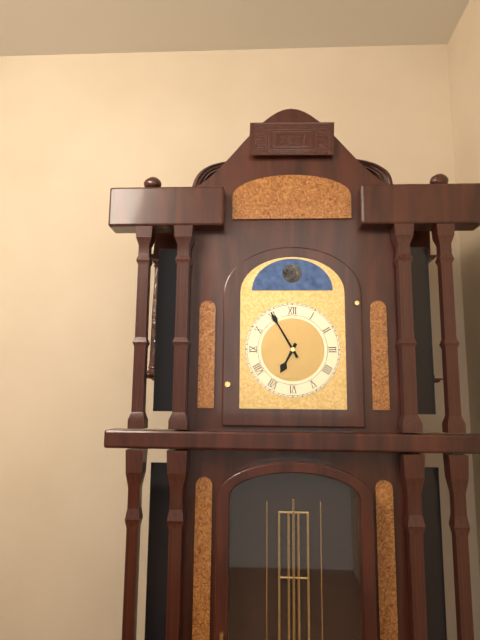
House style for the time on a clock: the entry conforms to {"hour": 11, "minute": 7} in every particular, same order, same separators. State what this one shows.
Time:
{"hour": 6, "minute": 55}
